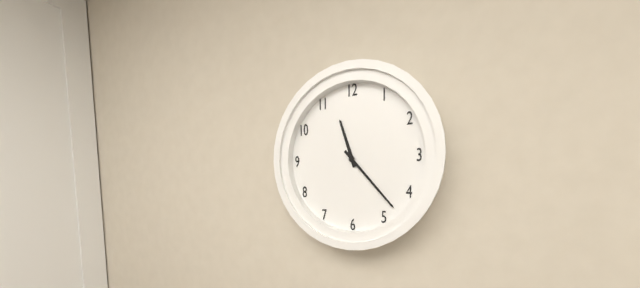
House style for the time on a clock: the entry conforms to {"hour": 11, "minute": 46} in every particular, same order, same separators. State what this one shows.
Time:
{"hour": 11, "minute": 23}
